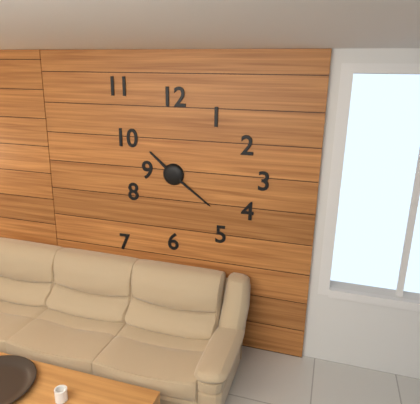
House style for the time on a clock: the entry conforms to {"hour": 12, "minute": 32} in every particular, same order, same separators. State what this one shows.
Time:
{"hour": 10, "minute": 21}
